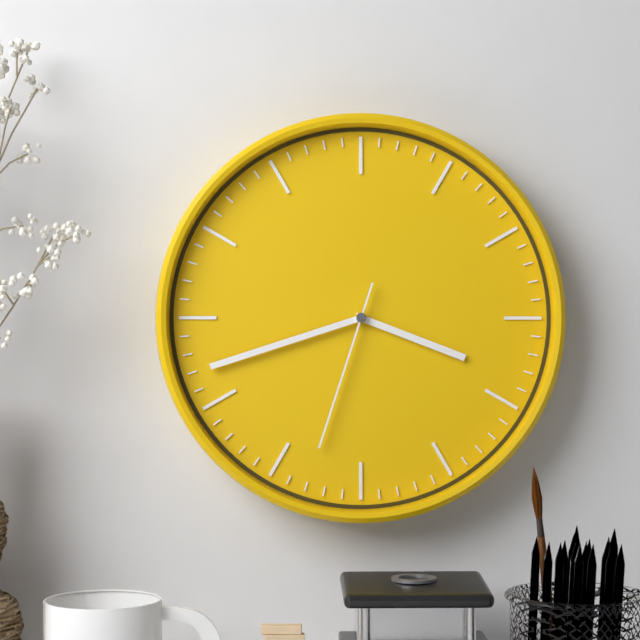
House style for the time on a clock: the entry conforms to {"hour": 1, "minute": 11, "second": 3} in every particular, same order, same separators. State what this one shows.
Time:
{"hour": 3, "minute": 42, "second": 33}
